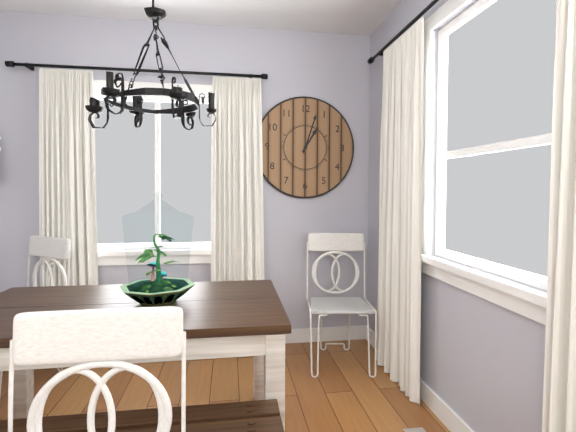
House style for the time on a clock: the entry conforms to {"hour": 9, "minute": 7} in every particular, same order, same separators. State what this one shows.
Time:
{"hour": 1, "minute": 3}
